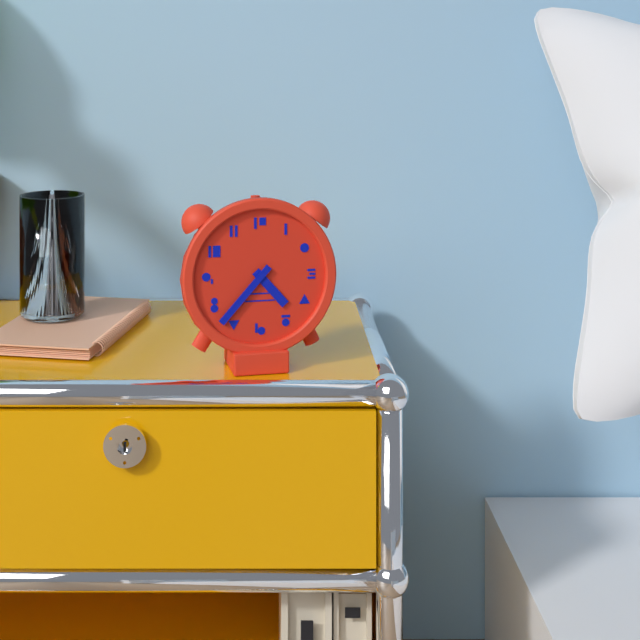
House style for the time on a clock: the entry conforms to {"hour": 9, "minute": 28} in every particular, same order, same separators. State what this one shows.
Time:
{"hour": 4, "minute": 37}
